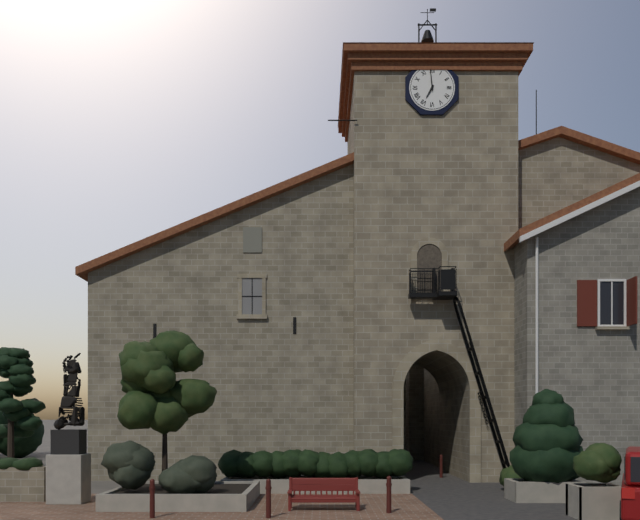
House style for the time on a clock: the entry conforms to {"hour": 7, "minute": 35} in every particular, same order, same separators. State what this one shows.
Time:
{"hour": 6, "minute": 59}
